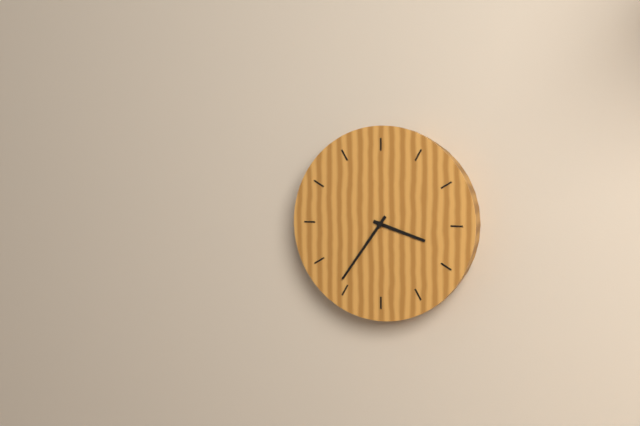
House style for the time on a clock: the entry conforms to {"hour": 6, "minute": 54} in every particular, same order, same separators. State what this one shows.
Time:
{"hour": 3, "minute": 36}
